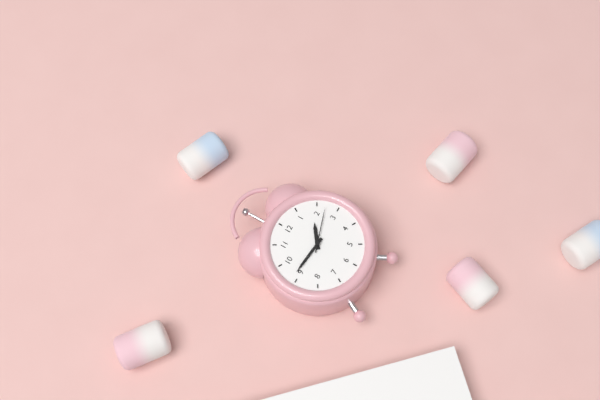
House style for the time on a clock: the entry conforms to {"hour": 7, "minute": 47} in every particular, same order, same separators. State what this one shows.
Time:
{"hour": 1, "minute": 46}
